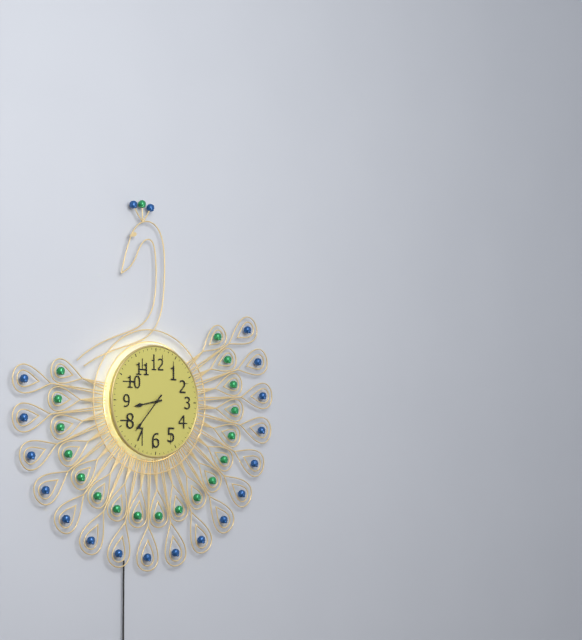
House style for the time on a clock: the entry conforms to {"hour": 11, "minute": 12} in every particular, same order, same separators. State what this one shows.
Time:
{"hour": 8, "minute": 37}
